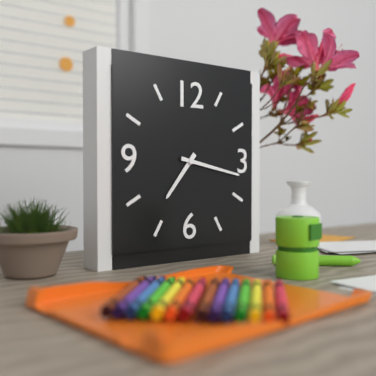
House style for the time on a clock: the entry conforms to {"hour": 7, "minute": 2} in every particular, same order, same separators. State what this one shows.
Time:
{"hour": 7, "minute": 17}
